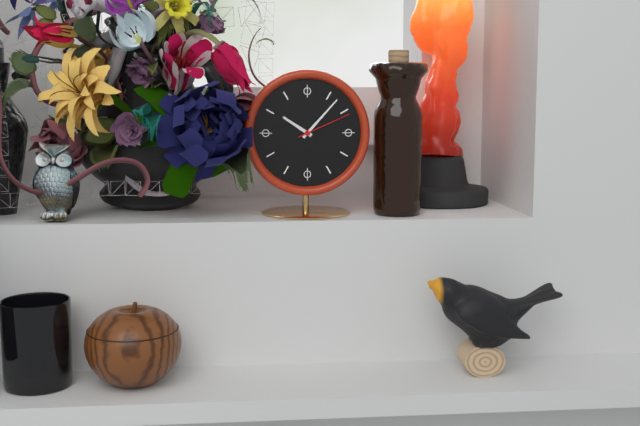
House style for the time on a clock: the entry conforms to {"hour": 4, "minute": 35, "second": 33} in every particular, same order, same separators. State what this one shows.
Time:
{"hour": 10, "minute": 7, "second": 11}
